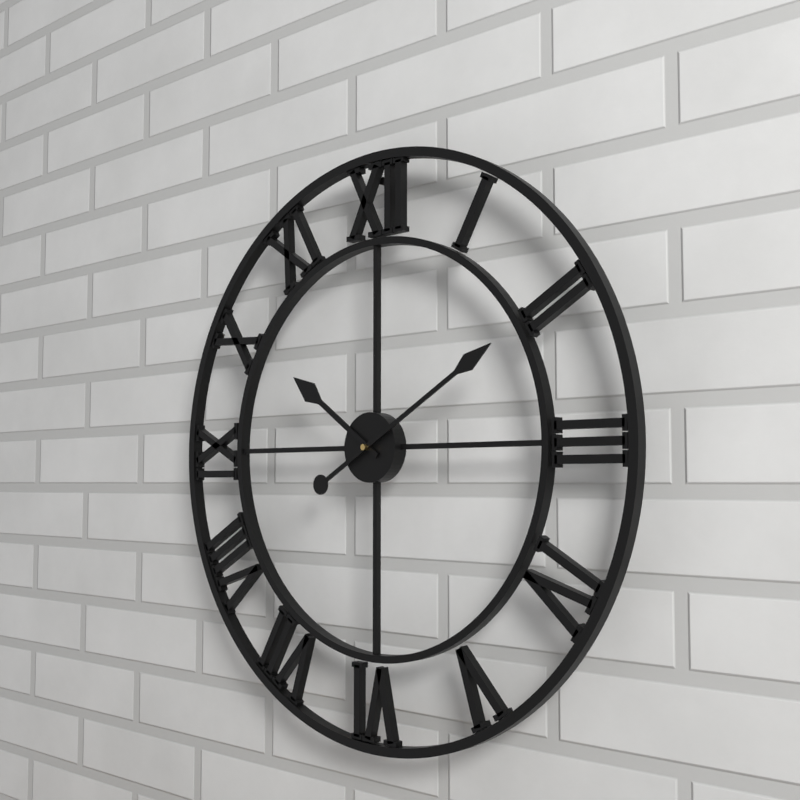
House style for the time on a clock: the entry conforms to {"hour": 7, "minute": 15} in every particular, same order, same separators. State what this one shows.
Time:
{"hour": 10, "minute": 10}
